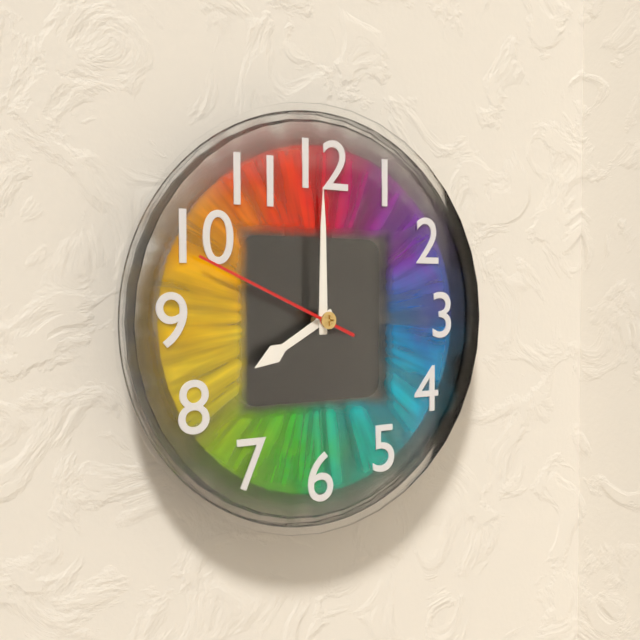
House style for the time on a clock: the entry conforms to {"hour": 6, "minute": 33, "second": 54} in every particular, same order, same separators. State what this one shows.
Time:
{"hour": 8, "minute": 0, "second": 49}
